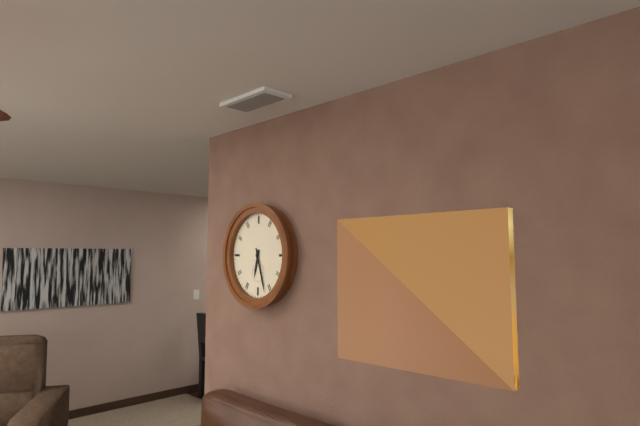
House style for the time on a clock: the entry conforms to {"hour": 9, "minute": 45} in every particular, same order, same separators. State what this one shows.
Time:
{"hour": 6, "minute": 27}
